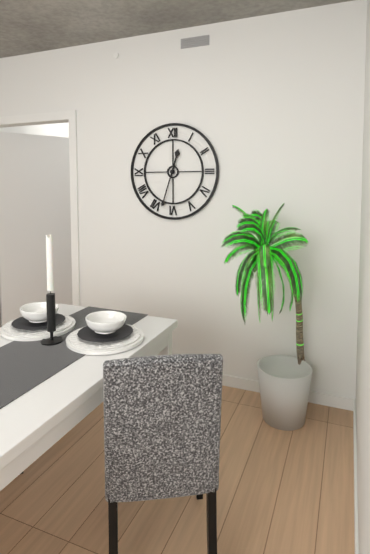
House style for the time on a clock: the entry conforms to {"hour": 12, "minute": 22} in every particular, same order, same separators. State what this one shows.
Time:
{"hour": 12, "minute": 33}
